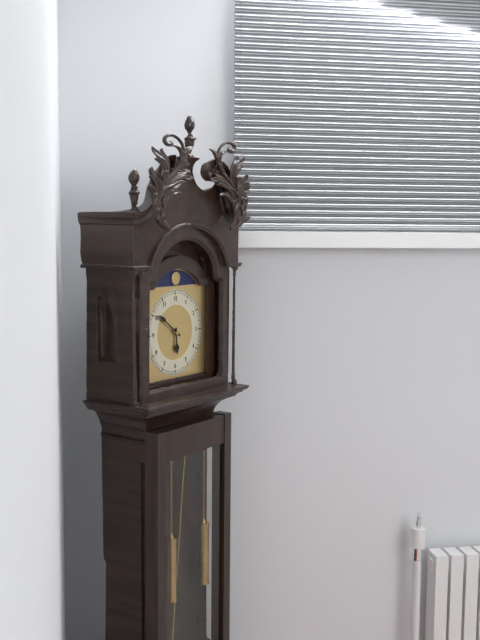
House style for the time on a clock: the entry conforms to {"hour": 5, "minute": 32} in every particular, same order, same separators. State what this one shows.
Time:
{"hour": 5, "minute": 51}
